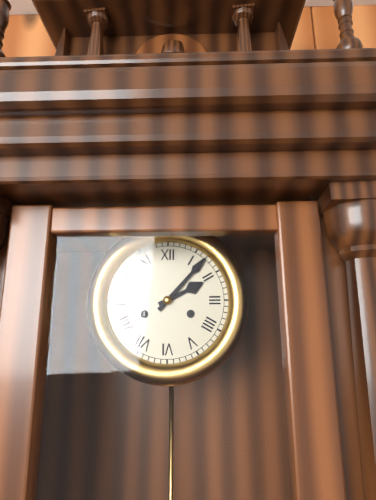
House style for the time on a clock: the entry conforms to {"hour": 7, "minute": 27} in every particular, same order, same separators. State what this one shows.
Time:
{"hour": 2, "minute": 7}
